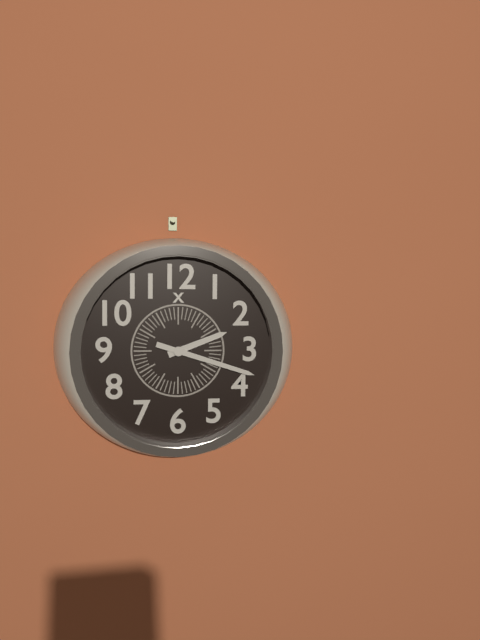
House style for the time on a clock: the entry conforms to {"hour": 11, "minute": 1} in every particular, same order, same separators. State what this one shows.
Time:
{"hour": 2, "minute": 18}
